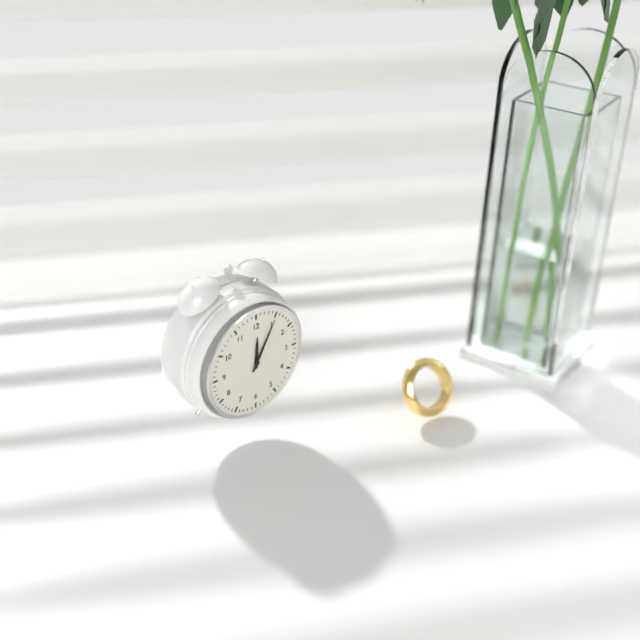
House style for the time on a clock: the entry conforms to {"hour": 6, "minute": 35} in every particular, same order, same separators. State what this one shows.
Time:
{"hour": 12, "minute": 5}
